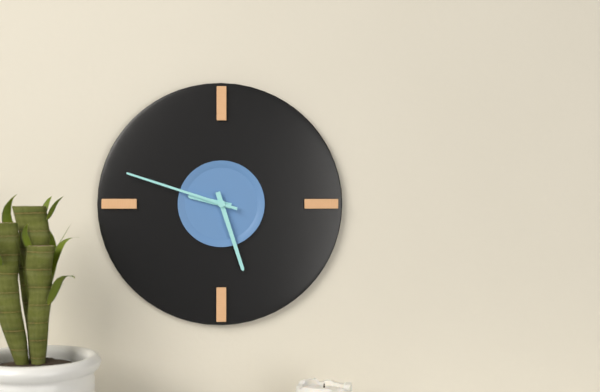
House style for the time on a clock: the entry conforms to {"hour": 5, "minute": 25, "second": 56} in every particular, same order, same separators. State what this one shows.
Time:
{"hour": 9, "minute": 27, "second": 48}
